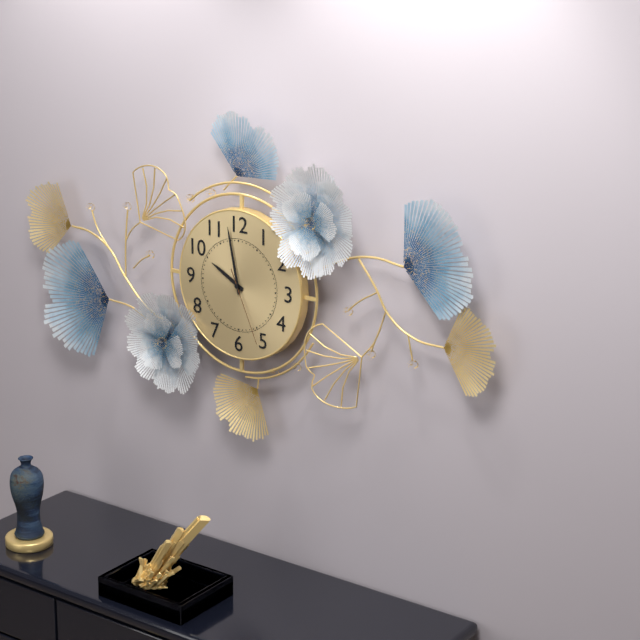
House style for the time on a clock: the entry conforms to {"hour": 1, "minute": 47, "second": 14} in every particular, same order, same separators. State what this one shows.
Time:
{"hour": 9, "minute": 58, "second": 26}
